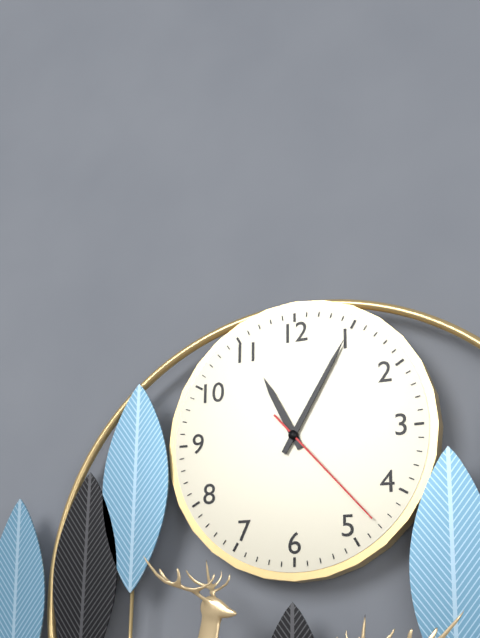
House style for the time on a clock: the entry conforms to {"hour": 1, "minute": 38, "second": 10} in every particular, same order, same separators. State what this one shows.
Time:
{"hour": 11, "minute": 5, "second": 23}
